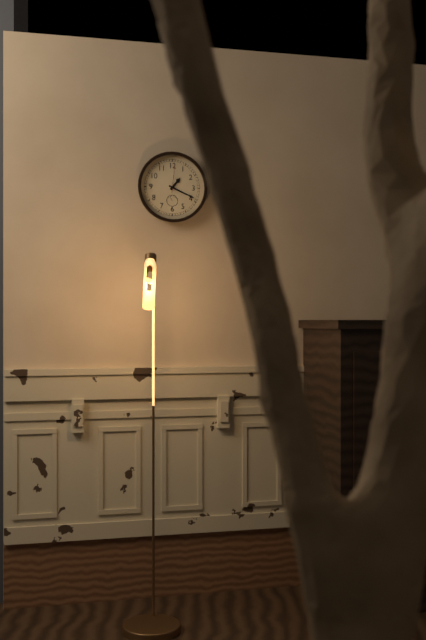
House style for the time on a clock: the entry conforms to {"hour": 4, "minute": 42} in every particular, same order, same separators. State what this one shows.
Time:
{"hour": 1, "minute": 19}
